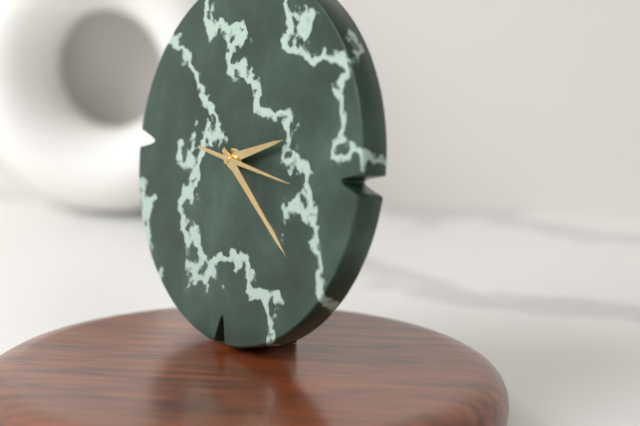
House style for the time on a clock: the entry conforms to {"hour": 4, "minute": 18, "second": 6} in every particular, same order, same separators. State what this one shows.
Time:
{"hour": 2, "minute": 21, "second": 16}
